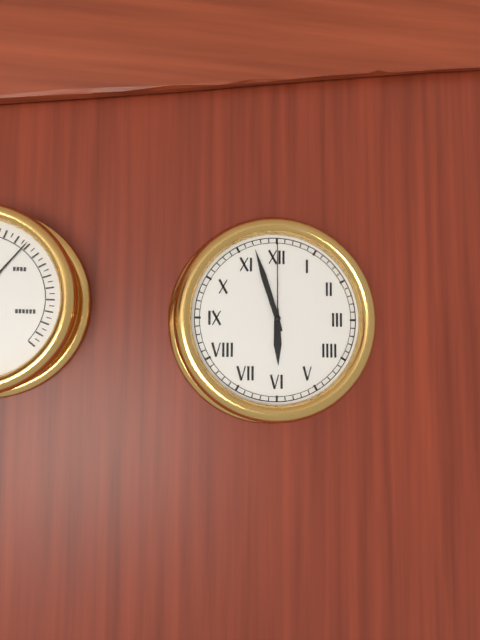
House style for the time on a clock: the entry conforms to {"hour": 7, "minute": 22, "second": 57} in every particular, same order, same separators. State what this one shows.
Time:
{"hour": 5, "minute": 57, "second": 0}
